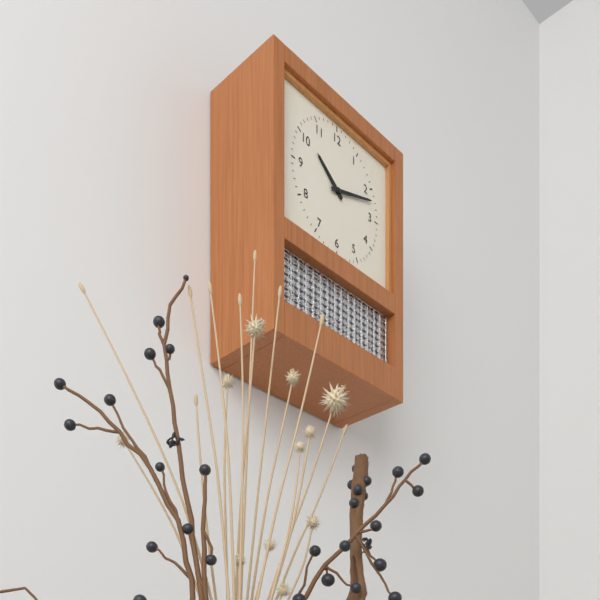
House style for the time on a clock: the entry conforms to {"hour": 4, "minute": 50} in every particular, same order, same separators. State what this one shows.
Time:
{"hour": 10, "minute": 12}
